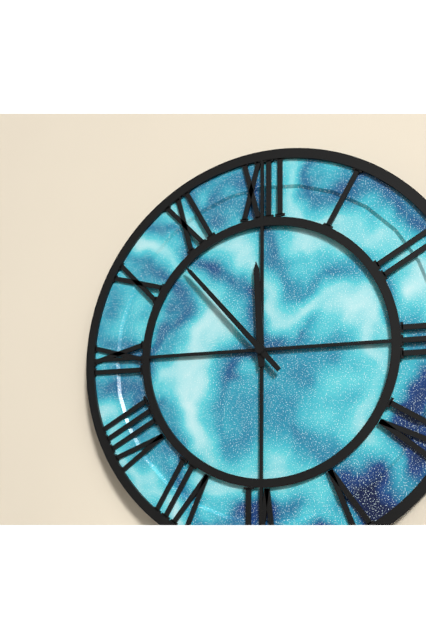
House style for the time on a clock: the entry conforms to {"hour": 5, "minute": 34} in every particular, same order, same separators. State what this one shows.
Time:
{"hour": 11, "minute": 53}
